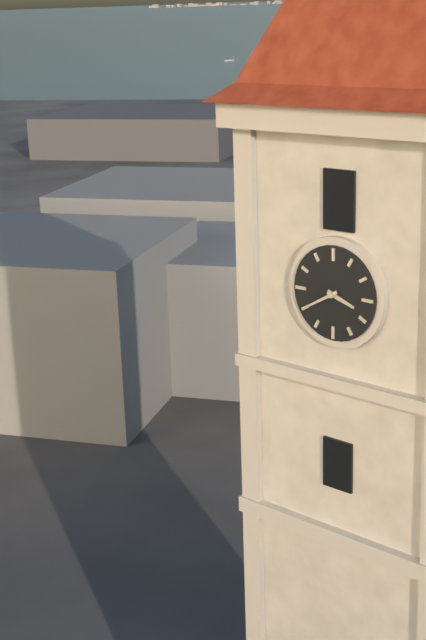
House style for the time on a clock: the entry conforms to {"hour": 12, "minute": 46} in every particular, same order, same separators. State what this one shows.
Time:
{"hour": 3, "minute": 40}
